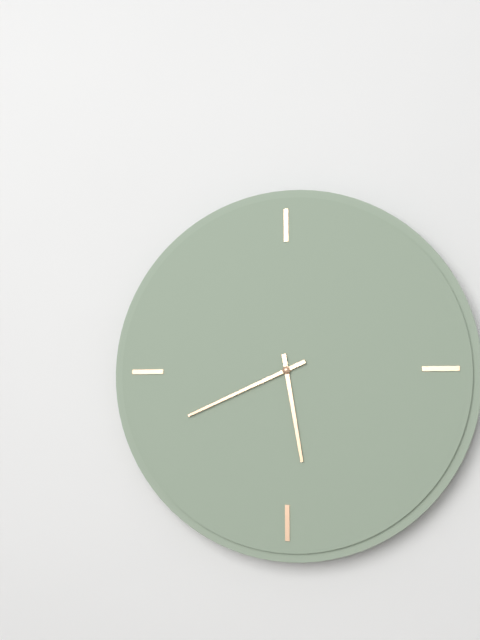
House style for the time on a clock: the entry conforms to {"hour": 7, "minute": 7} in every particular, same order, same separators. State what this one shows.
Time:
{"hour": 5, "minute": 41}
